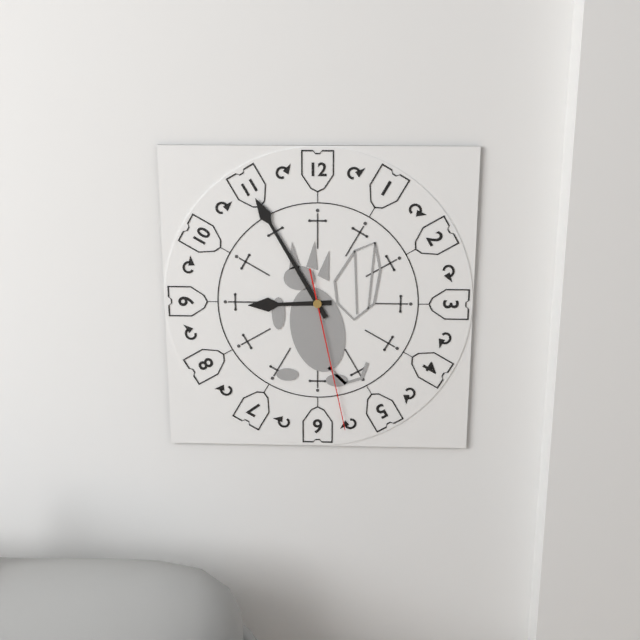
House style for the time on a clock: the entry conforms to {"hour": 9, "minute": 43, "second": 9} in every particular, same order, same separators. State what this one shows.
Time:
{"hour": 8, "minute": 55, "second": 28}
